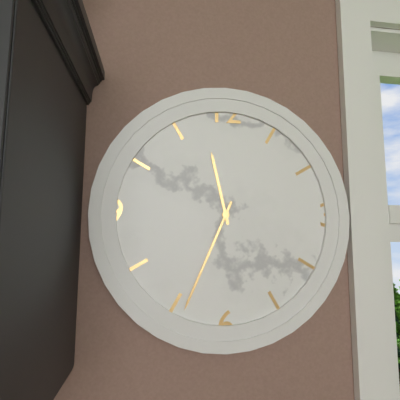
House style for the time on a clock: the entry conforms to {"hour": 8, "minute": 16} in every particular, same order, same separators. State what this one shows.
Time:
{"hour": 11, "minute": 34}
